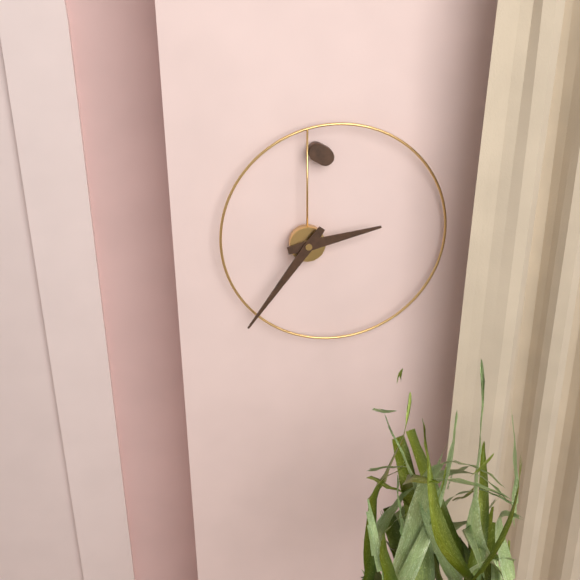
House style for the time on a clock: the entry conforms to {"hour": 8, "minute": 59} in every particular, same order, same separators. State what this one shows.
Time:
{"hour": 2, "minute": 36}
